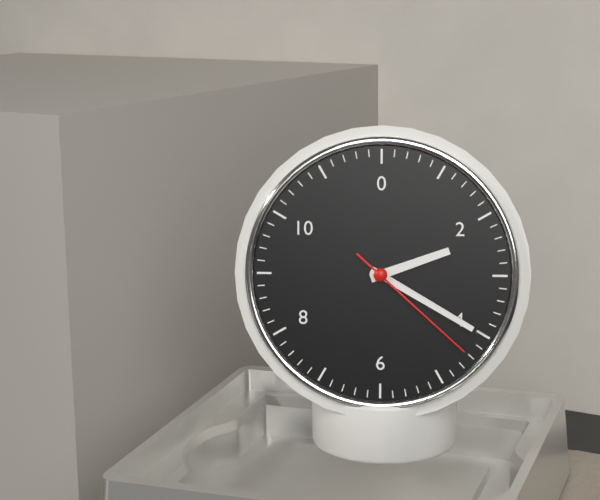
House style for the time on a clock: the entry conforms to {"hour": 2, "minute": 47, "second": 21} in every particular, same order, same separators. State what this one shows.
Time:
{"hour": 2, "minute": 20, "second": 22}
